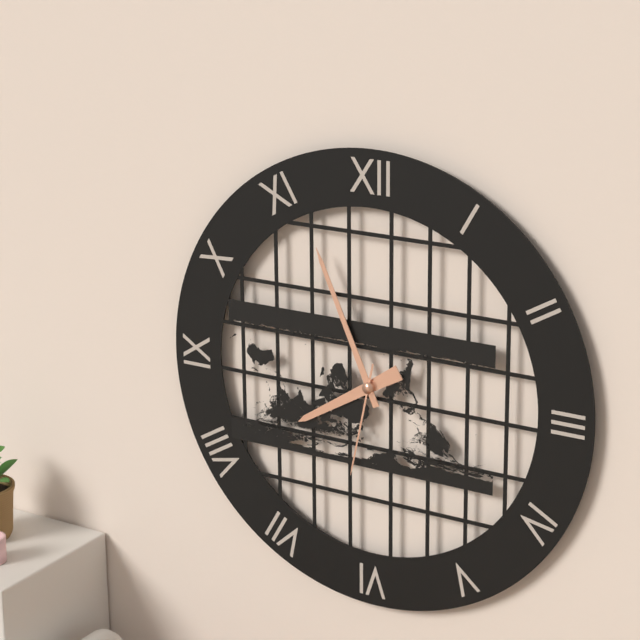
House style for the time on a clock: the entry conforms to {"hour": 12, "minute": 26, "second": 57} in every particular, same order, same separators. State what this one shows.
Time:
{"hour": 7, "minute": 56, "second": 32}
